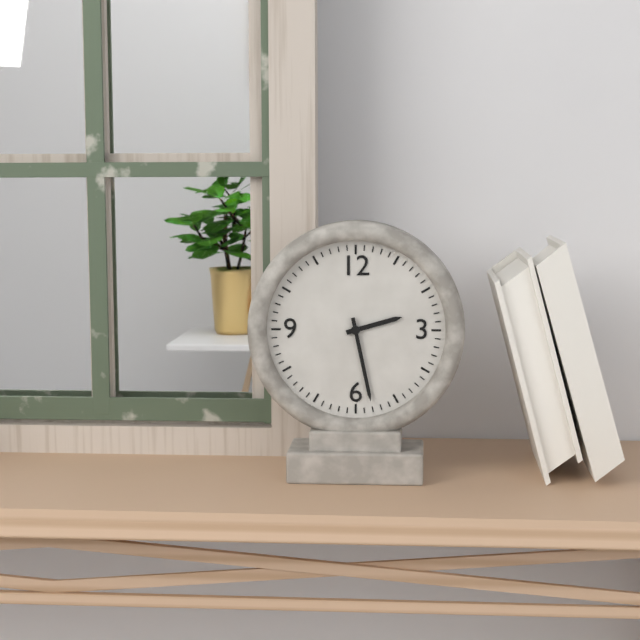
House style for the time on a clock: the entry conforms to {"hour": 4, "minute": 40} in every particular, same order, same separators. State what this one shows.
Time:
{"hour": 2, "minute": 28}
